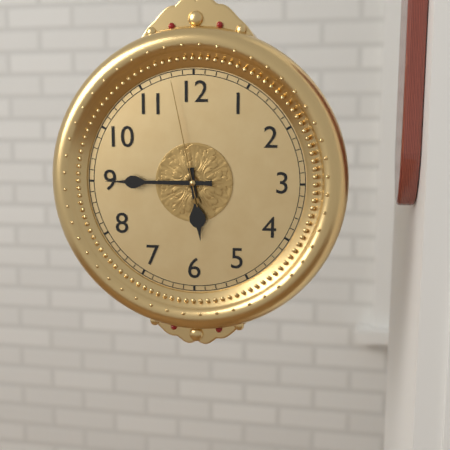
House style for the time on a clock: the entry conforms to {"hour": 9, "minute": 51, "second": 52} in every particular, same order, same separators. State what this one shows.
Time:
{"hour": 5, "minute": 45, "second": 58}
